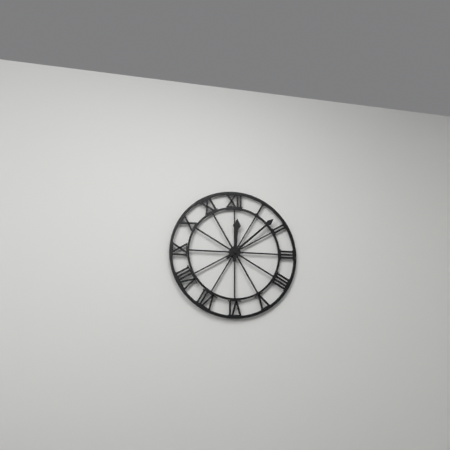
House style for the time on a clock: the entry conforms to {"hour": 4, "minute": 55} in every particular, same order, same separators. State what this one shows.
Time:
{"hour": 12, "minute": 8}
